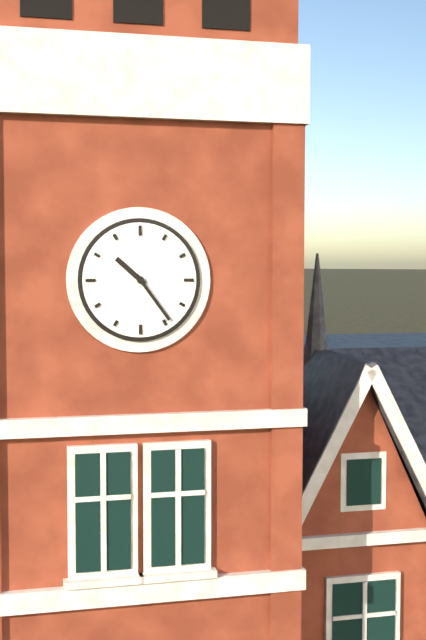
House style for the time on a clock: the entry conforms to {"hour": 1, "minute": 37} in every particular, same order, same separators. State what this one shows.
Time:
{"hour": 10, "minute": 24}
